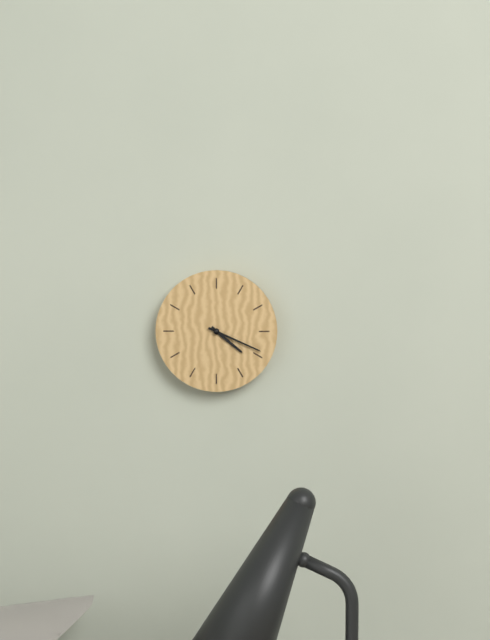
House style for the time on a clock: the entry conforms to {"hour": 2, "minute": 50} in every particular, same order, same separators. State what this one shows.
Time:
{"hour": 4, "minute": 19}
